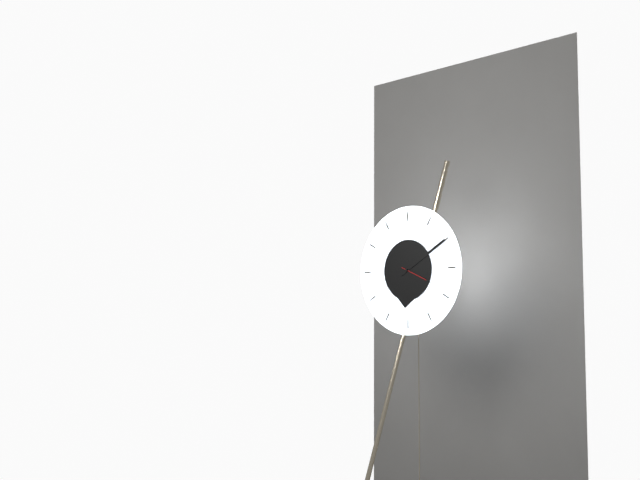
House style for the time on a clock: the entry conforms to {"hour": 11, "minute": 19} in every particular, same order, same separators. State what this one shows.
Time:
{"hour": 6, "minute": 10}
